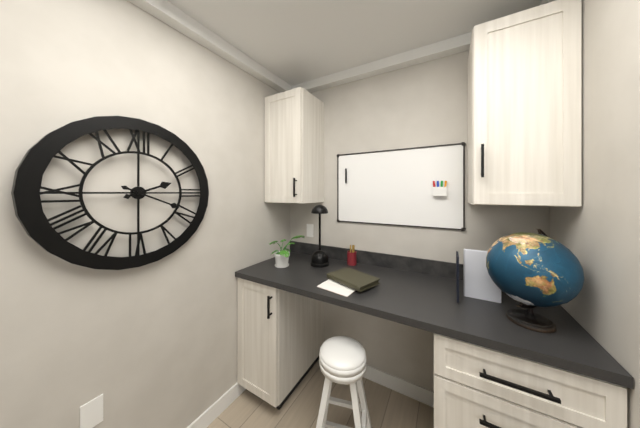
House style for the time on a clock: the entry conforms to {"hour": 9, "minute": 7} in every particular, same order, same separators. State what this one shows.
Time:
{"hour": 2, "minute": 19}
